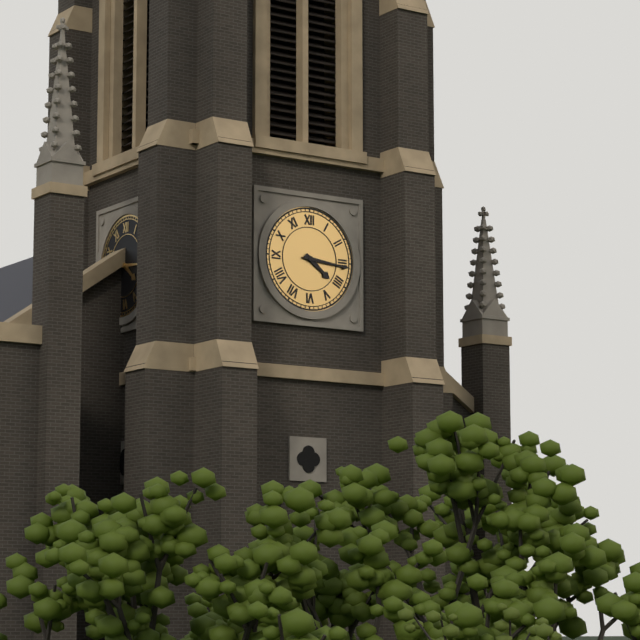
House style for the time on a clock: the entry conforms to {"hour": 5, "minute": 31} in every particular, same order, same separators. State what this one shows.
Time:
{"hour": 4, "minute": 16}
